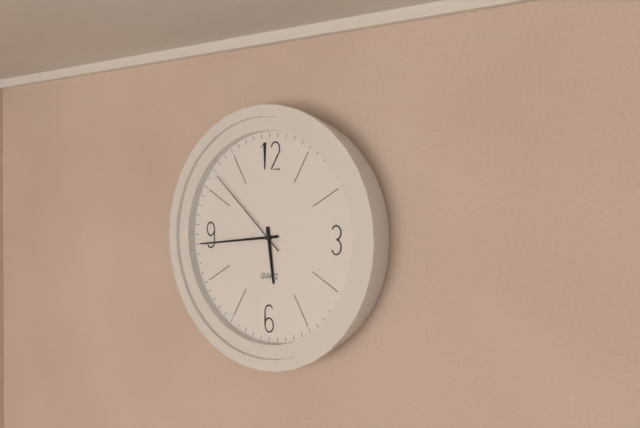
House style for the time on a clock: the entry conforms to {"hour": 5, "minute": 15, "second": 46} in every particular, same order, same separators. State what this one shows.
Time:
{"hour": 5, "minute": 44, "second": 52}
